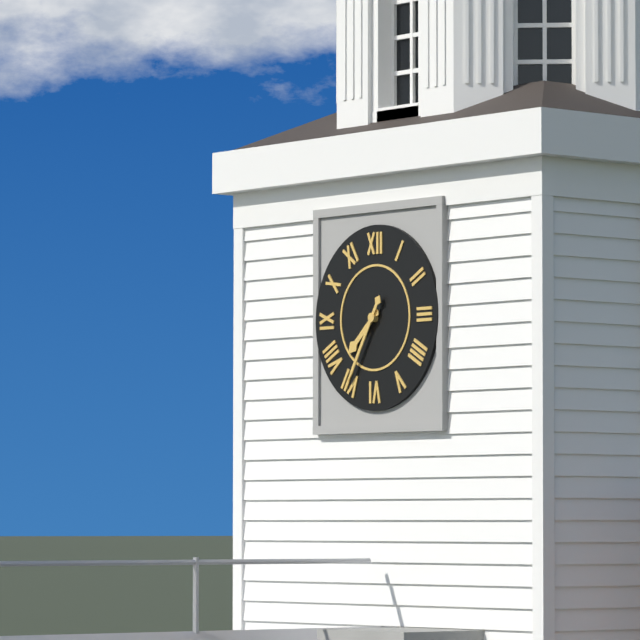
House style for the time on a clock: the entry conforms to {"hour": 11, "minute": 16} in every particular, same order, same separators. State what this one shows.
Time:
{"hour": 7, "minute": 35}
